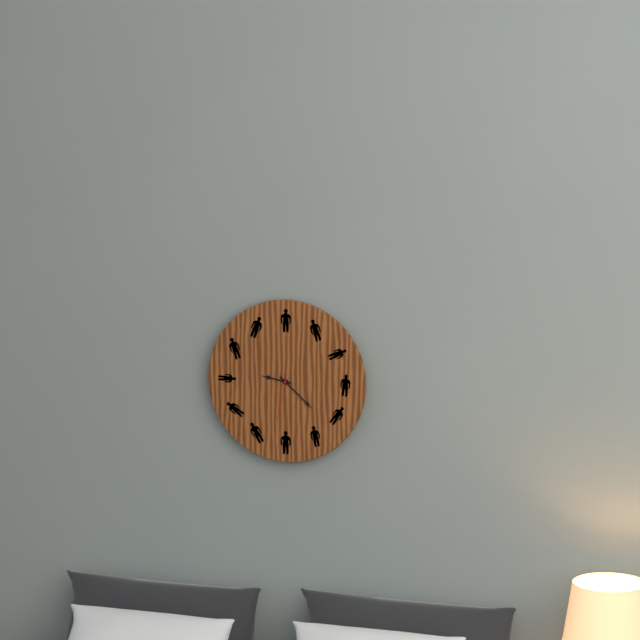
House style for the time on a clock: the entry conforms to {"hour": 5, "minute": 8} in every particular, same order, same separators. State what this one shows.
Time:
{"hour": 9, "minute": 22}
